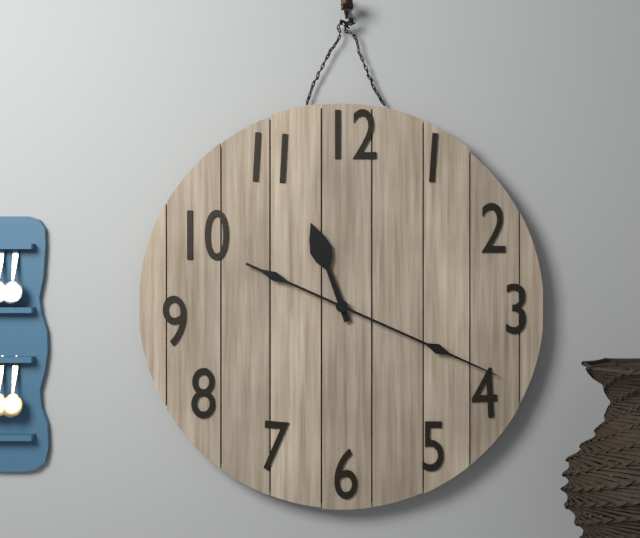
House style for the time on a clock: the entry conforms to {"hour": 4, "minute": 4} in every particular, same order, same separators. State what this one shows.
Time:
{"hour": 11, "minute": 19}
